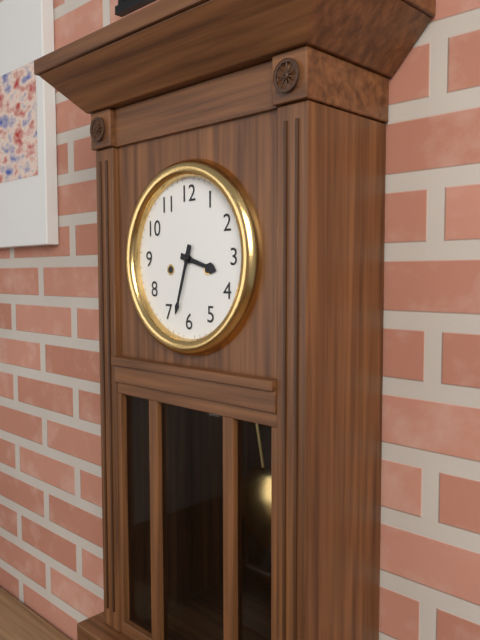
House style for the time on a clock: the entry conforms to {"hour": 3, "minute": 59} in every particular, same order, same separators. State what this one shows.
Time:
{"hour": 3, "minute": 33}
